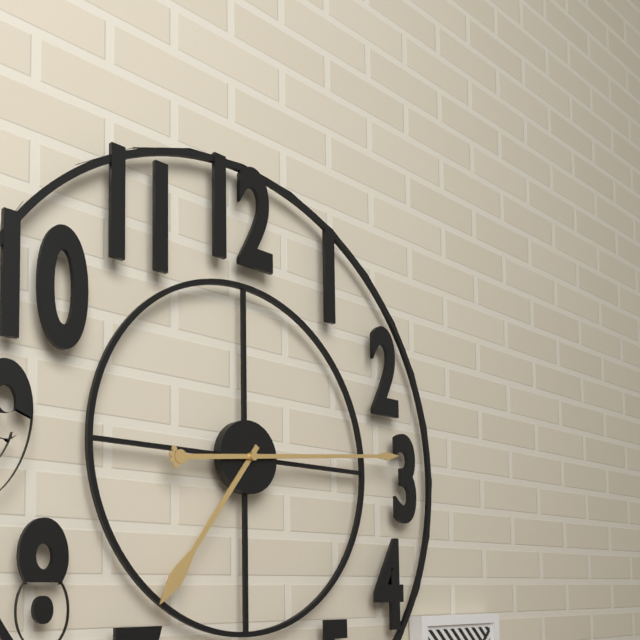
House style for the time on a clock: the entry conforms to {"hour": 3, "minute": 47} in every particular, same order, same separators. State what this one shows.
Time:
{"hour": 7, "minute": 14}
